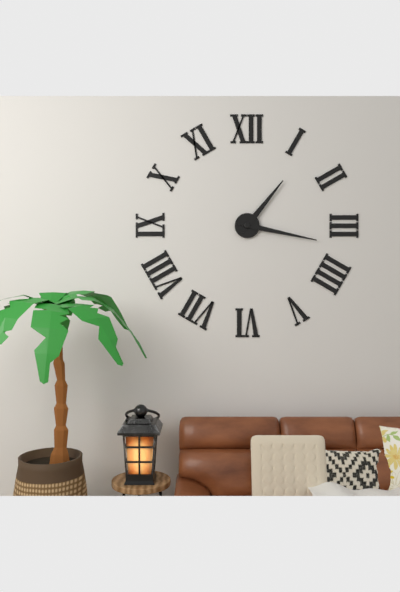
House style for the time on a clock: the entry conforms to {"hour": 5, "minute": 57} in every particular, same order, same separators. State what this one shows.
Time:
{"hour": 1, "minute": 17}
